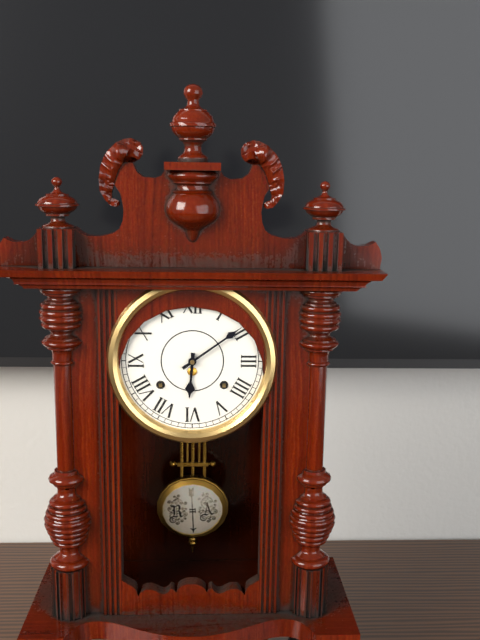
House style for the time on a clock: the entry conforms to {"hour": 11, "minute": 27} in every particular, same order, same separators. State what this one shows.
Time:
{"hour": 6, "minute": 9}
